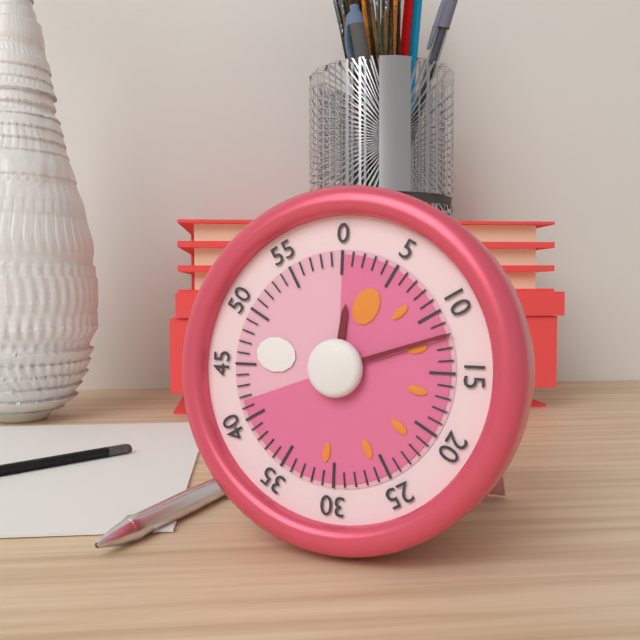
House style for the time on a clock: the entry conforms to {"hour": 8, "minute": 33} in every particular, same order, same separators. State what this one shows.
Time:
{"hour": 12, "minute": 12}
